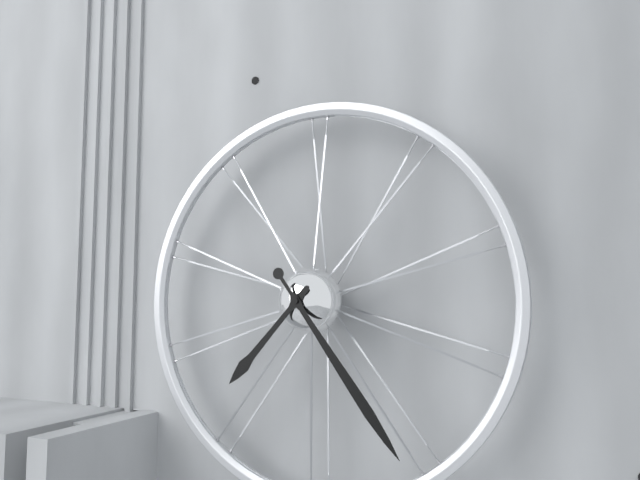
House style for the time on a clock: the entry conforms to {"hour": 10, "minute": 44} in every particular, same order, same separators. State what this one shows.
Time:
{"hour": 7, "minute": 24}
